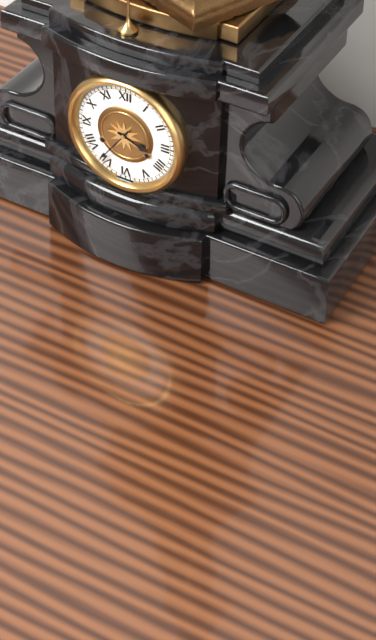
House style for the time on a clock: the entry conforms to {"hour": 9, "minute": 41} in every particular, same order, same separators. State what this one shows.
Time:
{"hour": 3, "minute": 36}
